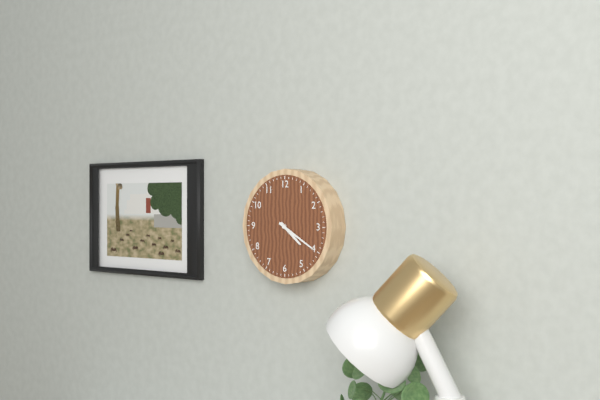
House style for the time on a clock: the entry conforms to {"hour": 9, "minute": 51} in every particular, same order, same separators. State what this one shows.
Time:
{"hour": 4, "minute": 20}
